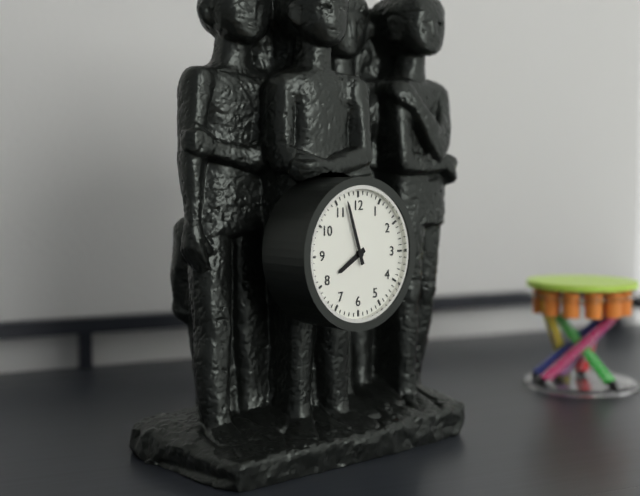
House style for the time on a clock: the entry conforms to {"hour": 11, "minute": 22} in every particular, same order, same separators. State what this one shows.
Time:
{"hour": 7, "minute": 57}
